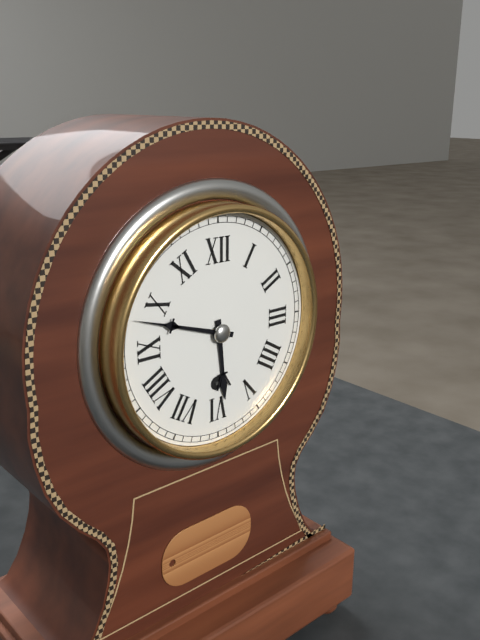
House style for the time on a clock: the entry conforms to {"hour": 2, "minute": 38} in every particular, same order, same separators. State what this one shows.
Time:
{"hour": 5, "minute": 48}
